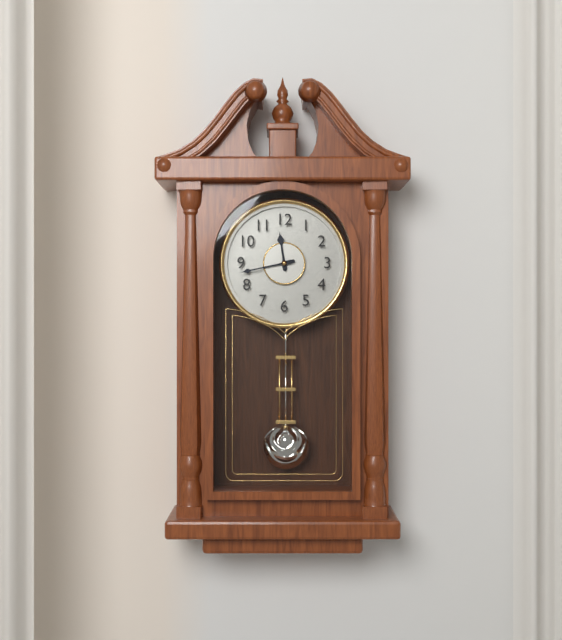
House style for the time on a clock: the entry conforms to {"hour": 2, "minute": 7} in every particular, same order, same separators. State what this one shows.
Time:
{"hour": 11, "minute": 43}
